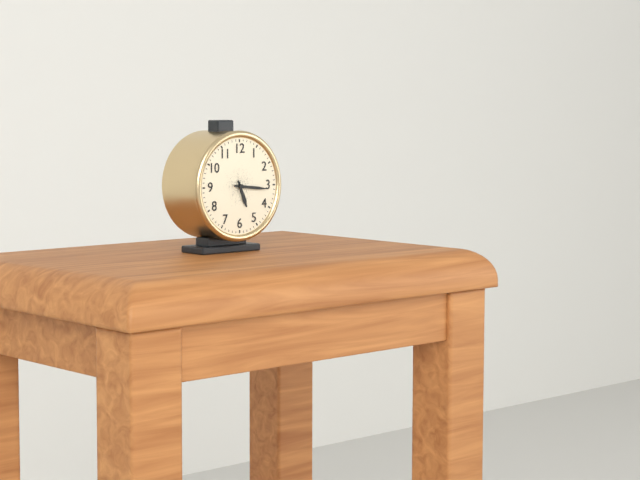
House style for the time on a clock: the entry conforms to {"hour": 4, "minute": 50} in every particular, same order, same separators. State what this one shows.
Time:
{"hour": 5, "minute": 16}
